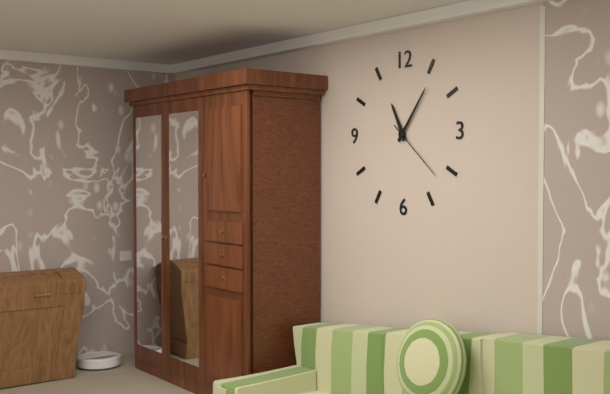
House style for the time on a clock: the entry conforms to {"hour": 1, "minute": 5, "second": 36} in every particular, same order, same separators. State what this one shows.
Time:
{"hour": 11, "minute": 6, "second": 22}
